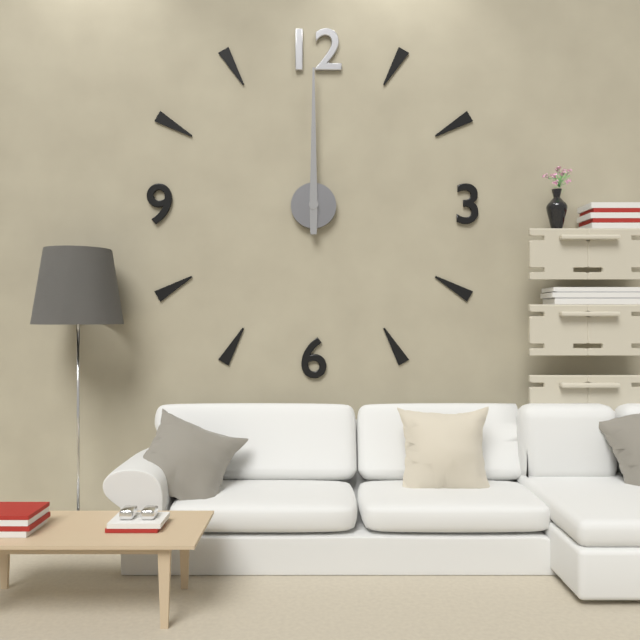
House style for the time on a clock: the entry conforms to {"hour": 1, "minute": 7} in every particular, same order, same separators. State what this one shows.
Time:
{"hour": 12, "minute": 0}
